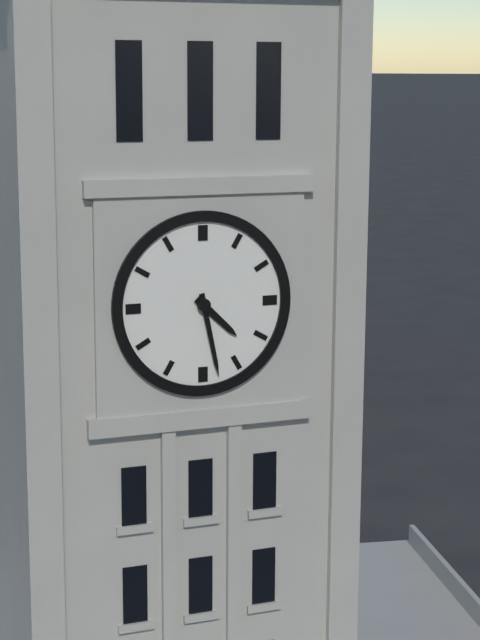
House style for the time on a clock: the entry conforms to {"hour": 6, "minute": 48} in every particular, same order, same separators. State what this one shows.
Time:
{"hour": 4, "minute": 28}
